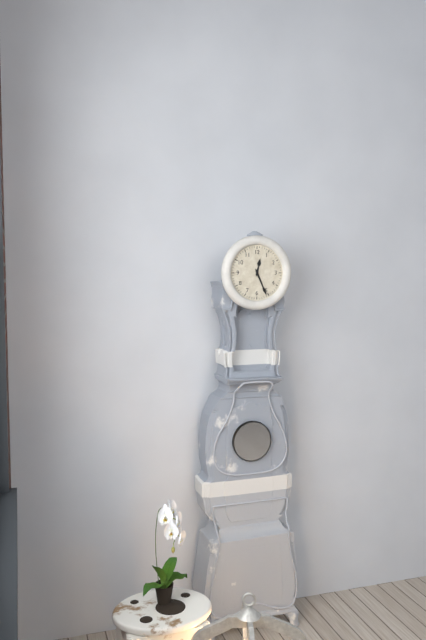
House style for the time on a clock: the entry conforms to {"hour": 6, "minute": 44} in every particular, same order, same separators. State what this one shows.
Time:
{"hour": 12, "minute": 26}
